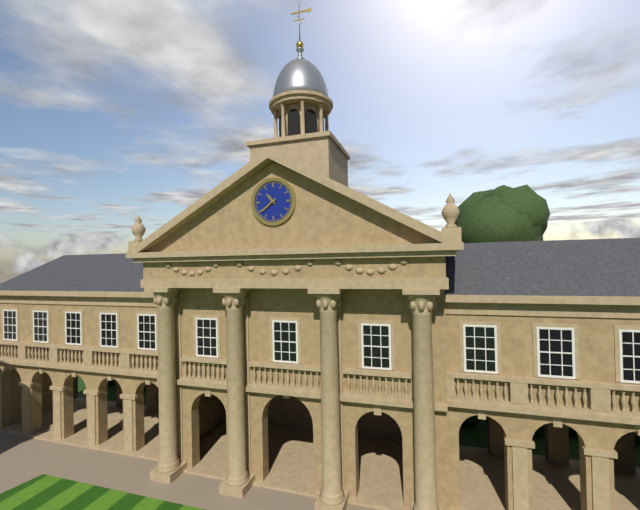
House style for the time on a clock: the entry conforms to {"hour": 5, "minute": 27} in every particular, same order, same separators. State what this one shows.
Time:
{"hour": 10, "minute": 39}
